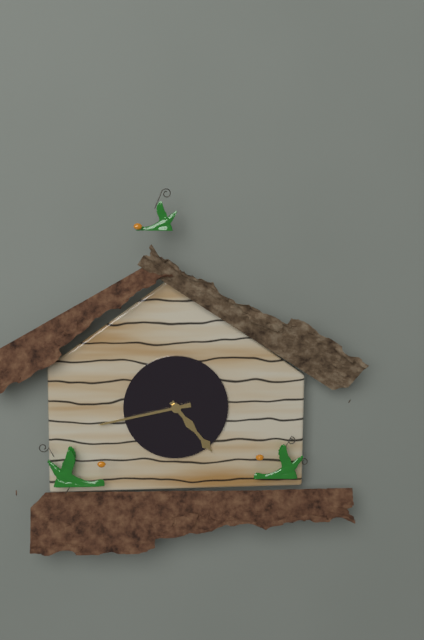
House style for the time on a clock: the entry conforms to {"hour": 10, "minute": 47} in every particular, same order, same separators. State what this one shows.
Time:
{"hour": 4, "minute": 43}
